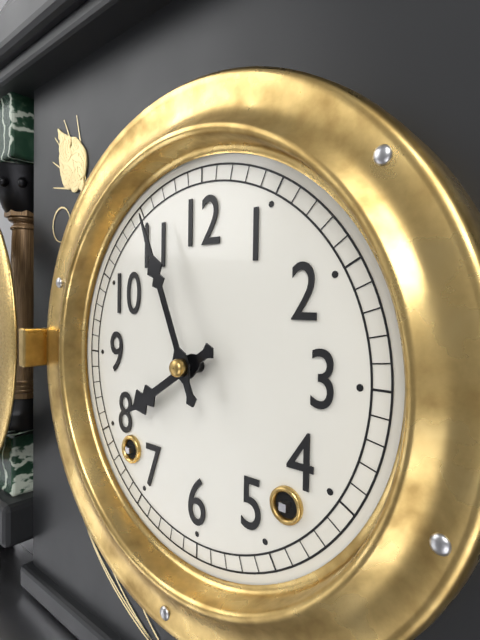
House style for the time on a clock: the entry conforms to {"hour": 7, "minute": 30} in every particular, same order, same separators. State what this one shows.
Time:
{"hour": 7, "minute": 56}
